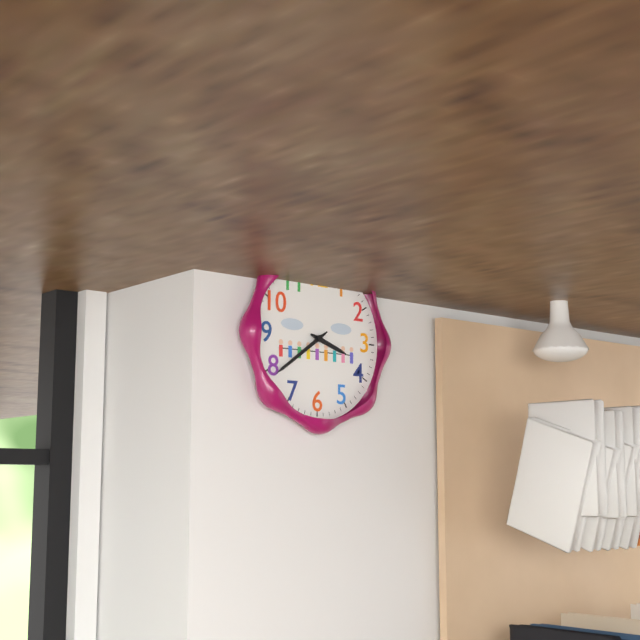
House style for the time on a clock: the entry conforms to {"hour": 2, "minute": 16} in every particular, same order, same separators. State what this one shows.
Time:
{"hour": 3, "minute": 39}
